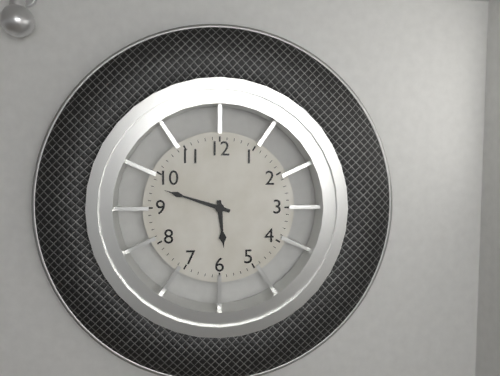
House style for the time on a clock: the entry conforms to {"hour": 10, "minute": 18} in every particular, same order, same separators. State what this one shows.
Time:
{"hour": 5, "minute": 48}
